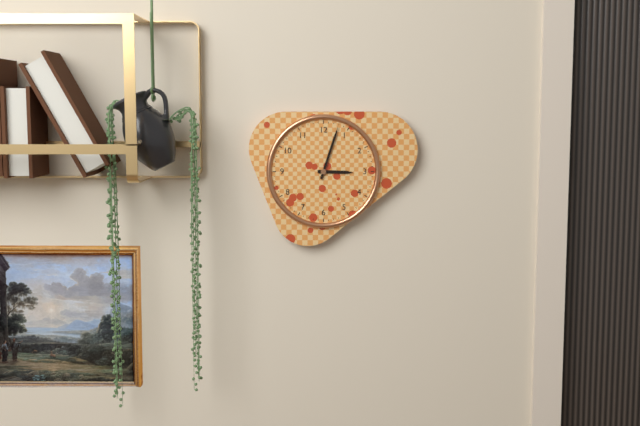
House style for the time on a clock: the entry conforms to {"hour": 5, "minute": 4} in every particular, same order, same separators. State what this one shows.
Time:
{"hour": 3, "minute": 3}
